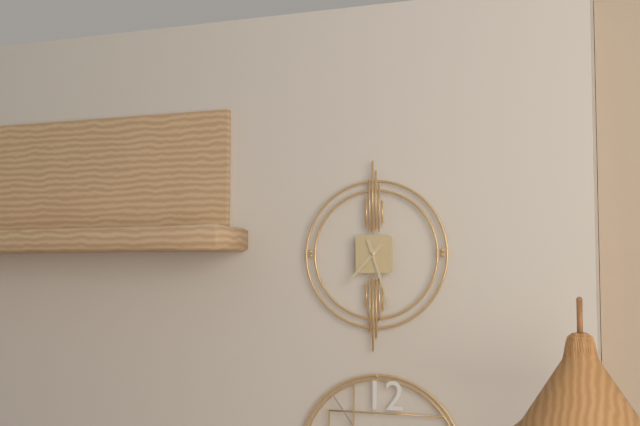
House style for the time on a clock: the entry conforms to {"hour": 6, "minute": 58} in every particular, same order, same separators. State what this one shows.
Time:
{"hour": 7, "minute": 27}
